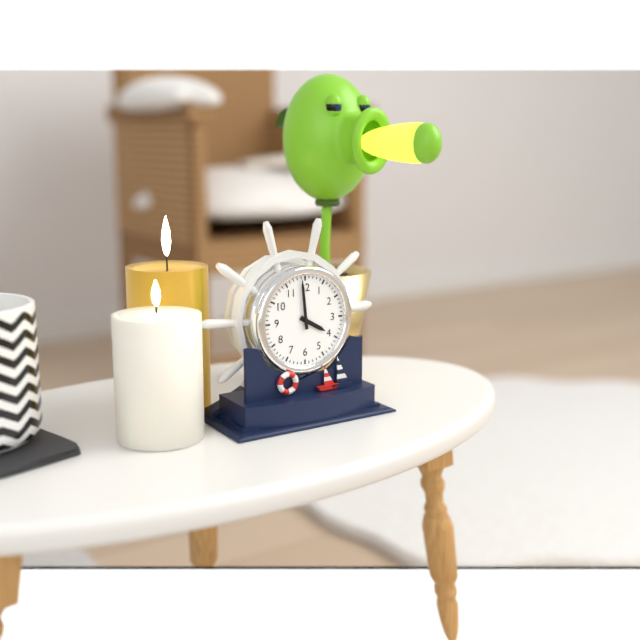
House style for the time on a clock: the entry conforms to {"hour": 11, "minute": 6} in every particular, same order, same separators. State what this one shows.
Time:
{"hour": 3, "minute": 59}
